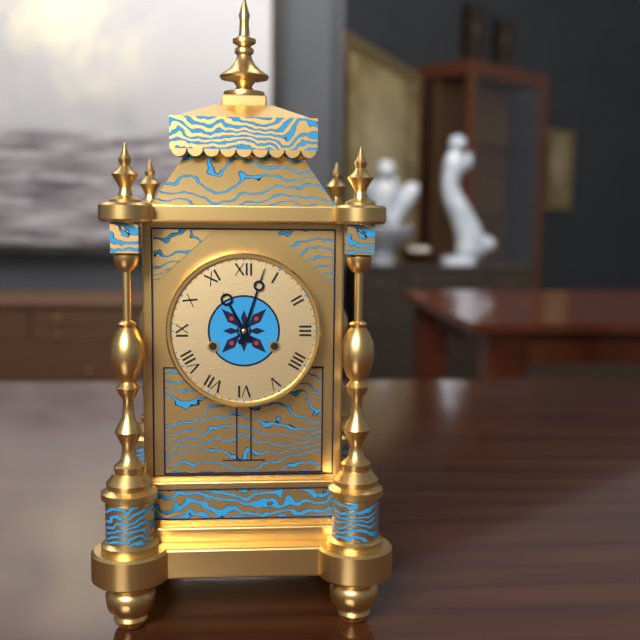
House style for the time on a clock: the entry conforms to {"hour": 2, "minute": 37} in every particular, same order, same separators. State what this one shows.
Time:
{"hour": 11, "minute": 3}
